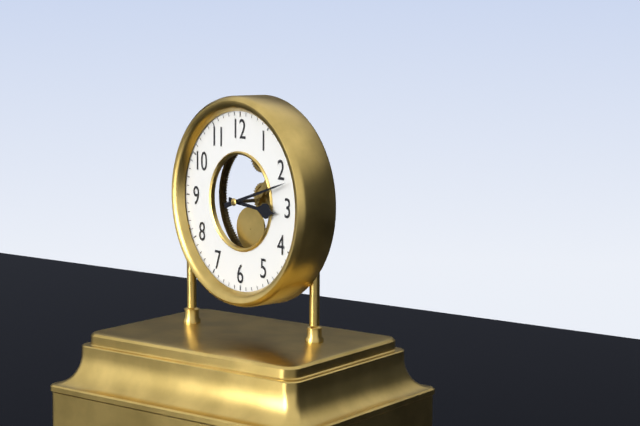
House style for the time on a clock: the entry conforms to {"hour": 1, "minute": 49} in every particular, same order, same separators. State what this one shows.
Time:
{"hour": 3, "minute": 12}
